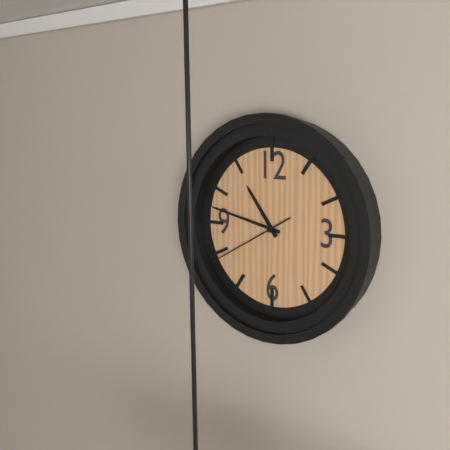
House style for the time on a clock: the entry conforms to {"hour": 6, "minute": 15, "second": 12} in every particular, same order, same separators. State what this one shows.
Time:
{"hour": 10, "minute": 47, "second": 40}
